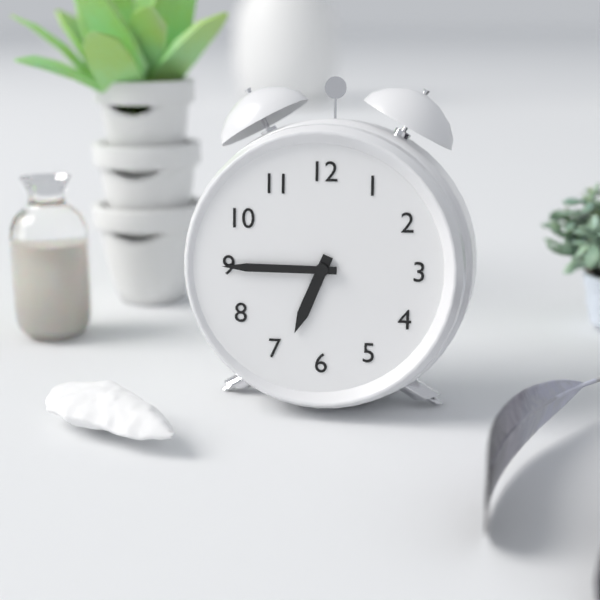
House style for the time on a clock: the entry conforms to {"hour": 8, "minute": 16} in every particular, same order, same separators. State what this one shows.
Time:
{"hour": 6, "minute": 45}
